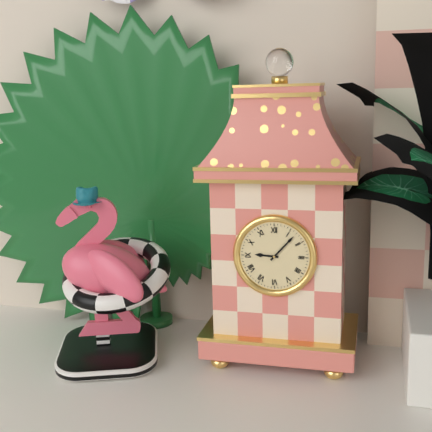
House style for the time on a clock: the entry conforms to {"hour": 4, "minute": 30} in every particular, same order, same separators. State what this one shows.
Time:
{"hour": 9, "minute": 7}
